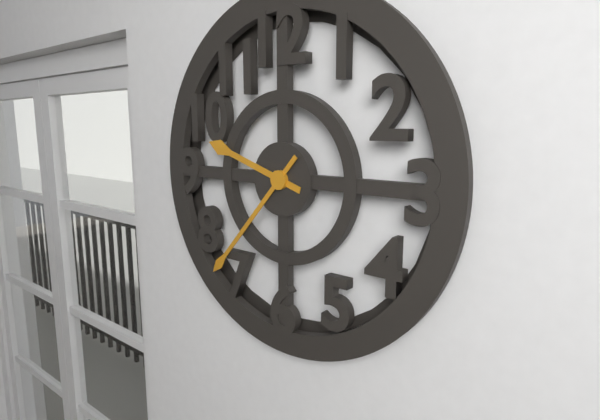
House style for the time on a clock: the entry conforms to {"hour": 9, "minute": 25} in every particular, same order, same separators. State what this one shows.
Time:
{"hour": 9, "minute": 37}
